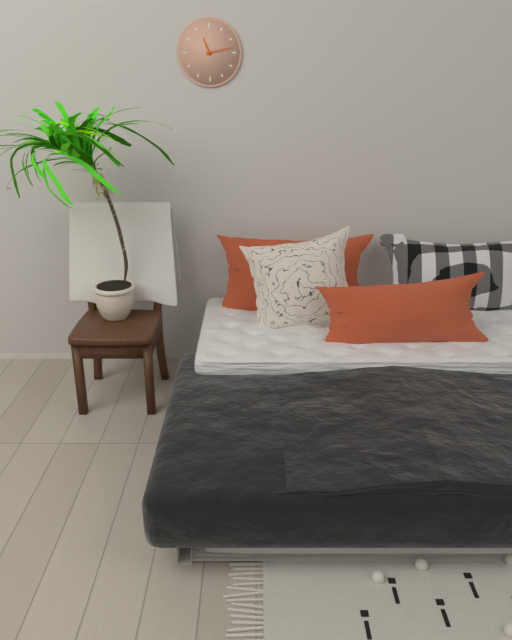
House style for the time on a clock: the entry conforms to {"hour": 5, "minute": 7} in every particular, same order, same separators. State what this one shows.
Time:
{"hour": 11, "minute": 13}
